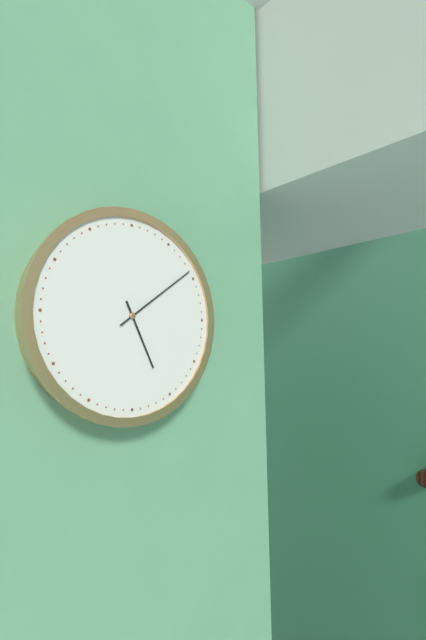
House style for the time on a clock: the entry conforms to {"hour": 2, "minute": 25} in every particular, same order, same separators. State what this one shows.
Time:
{"hour": 5, "minute": 9}
